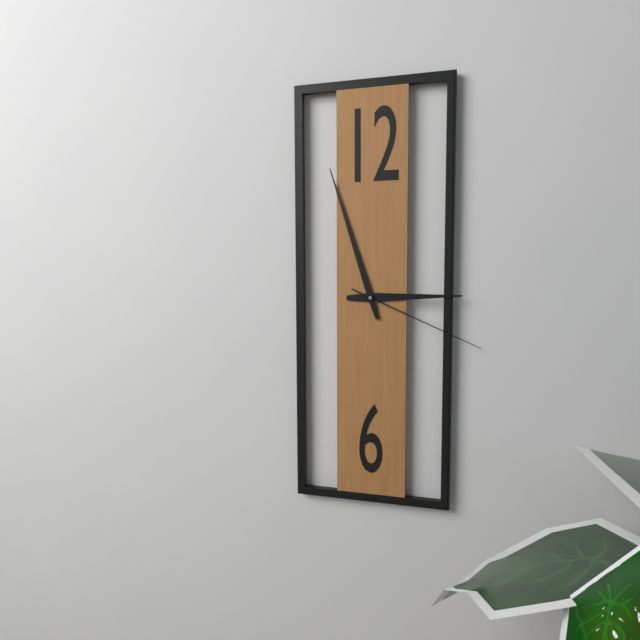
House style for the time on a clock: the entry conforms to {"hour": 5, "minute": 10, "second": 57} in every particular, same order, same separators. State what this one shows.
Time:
{"hour": 2, "minute": 57, "second": 19}
